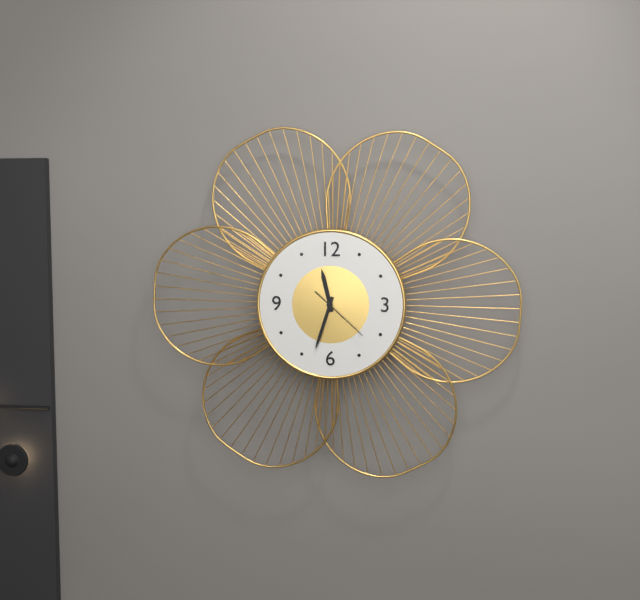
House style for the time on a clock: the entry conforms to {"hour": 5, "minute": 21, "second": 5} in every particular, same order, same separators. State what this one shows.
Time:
{"hour": 11, "minute": 33, "second": 22}
